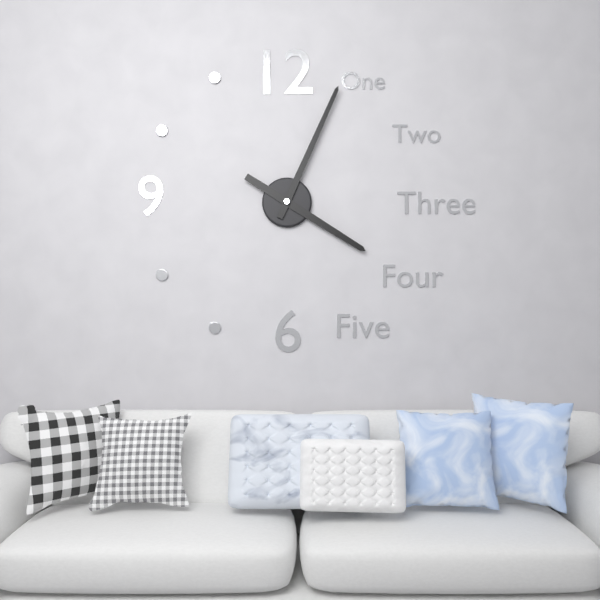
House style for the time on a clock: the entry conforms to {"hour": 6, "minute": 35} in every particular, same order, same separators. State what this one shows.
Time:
{"hour": 4, "minute": 4}
